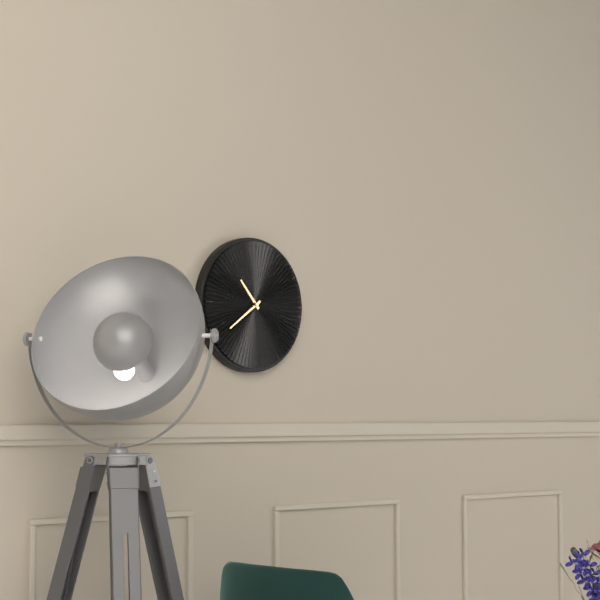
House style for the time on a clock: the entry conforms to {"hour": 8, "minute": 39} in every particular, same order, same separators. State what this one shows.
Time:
{"hour": 10, "minute": 39}
